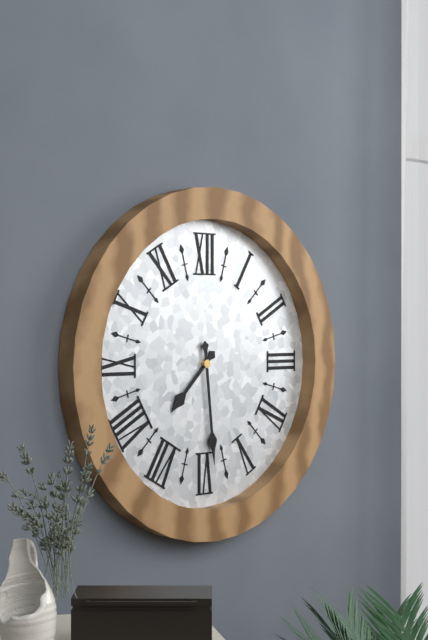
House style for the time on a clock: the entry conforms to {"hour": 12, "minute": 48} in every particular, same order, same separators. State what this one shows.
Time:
{"hour": 7, "minute": 29}
